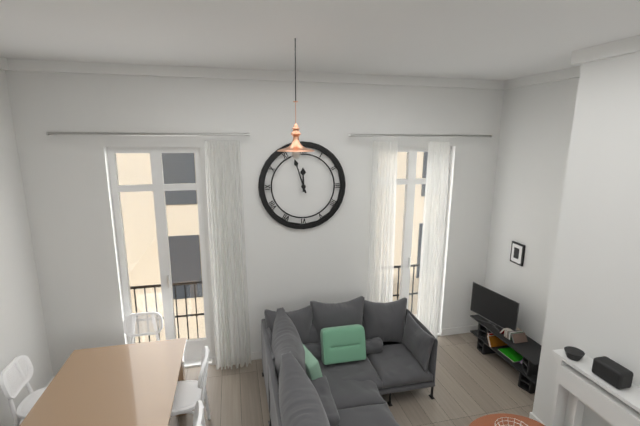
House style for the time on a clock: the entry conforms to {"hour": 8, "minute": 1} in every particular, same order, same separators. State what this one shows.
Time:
{"hour": 11, "minute": 57}
